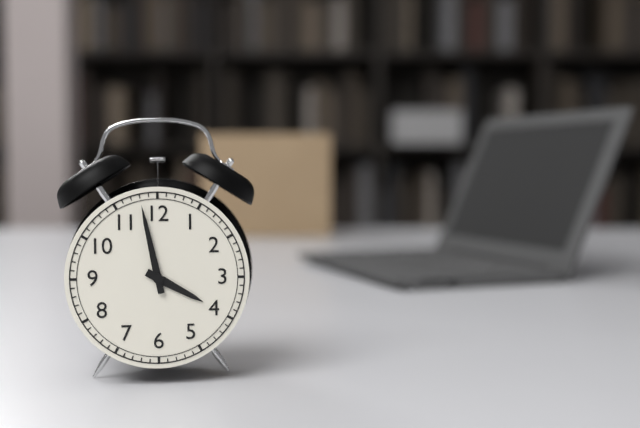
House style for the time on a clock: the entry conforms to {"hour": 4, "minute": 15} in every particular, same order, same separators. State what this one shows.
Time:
{"hour": 3, "minute": 58}
